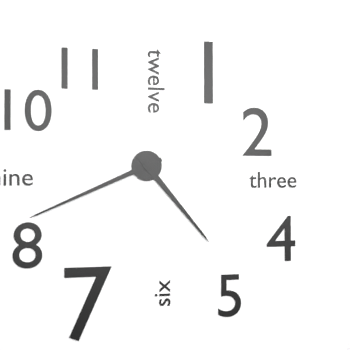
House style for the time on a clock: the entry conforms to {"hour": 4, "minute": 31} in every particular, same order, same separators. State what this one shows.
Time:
{"hour": 4, "minute": 41}
